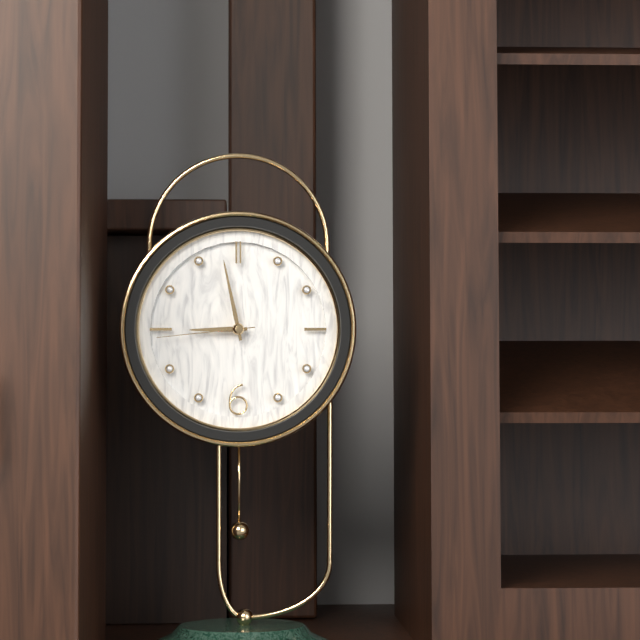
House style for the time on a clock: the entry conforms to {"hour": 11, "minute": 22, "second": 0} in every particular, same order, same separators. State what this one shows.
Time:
{"hour": 8, "minute": 58, "second": 44}
